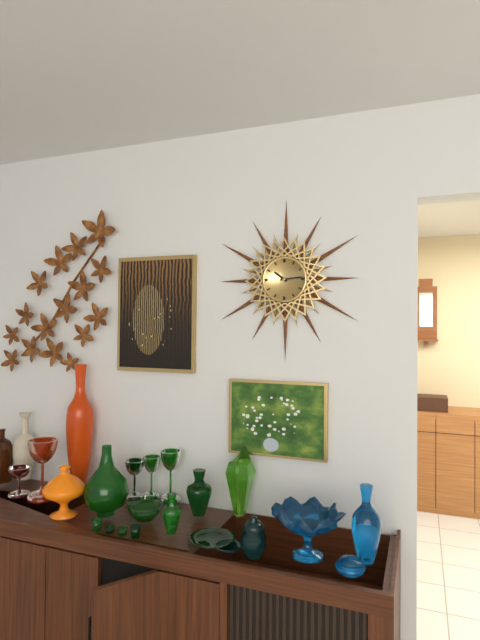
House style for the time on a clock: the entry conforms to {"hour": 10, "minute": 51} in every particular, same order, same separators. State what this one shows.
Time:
{"hour": 10, "minute": 14}
